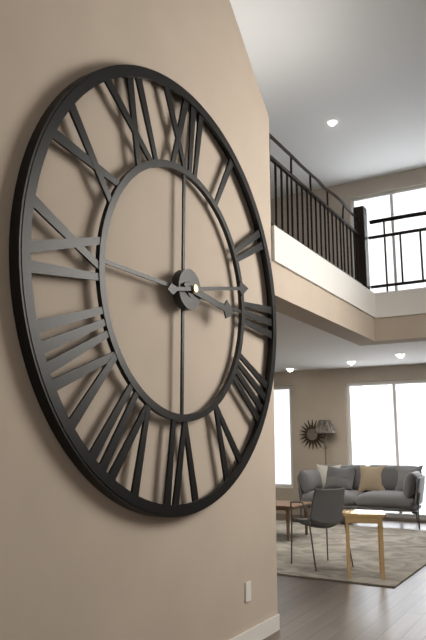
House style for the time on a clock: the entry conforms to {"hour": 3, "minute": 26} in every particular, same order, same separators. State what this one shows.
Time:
{"hour": 3, "minute": 13}
